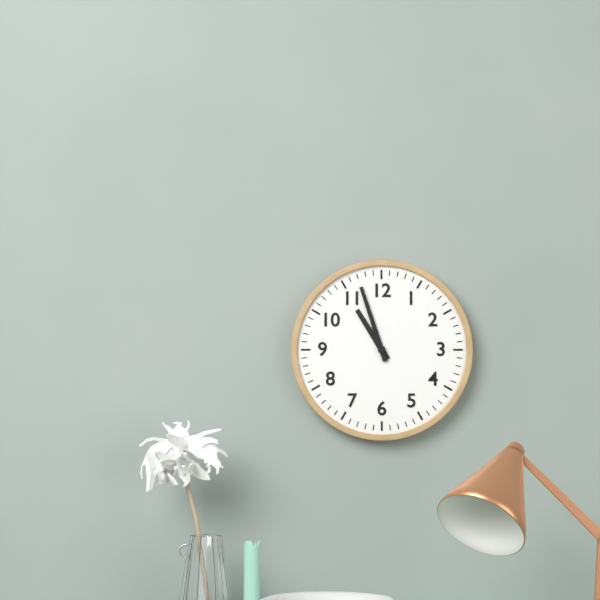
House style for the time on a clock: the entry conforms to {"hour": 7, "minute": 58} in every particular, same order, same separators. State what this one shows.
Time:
{"hour": 10, "minute": 57}
